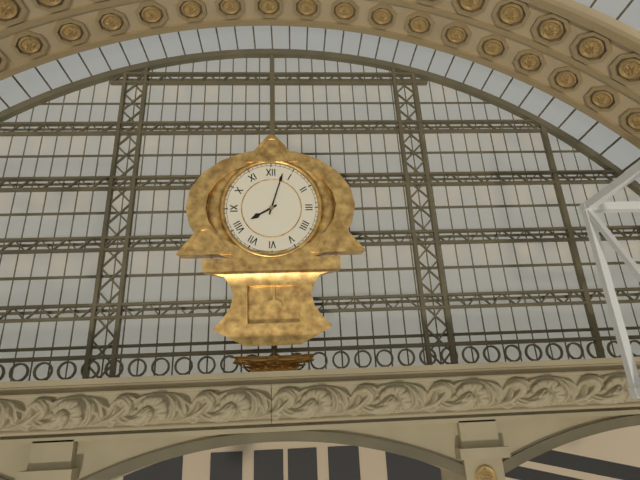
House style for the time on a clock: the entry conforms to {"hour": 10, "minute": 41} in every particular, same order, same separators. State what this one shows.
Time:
{"hour": 8, "minute": 3}
